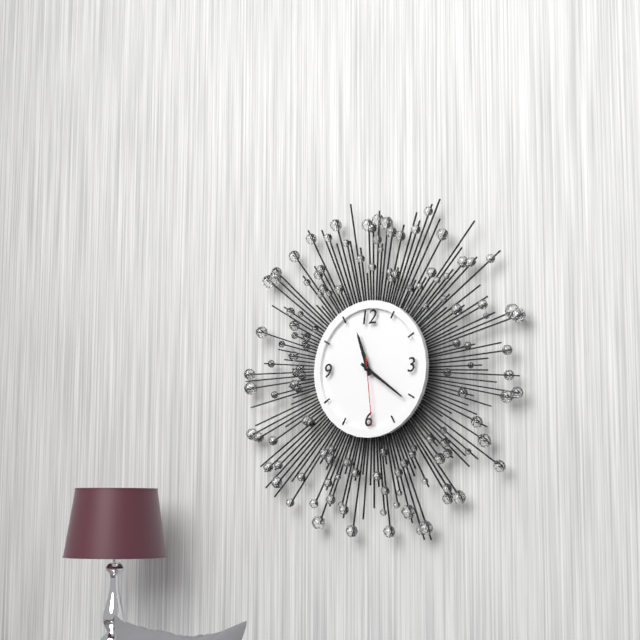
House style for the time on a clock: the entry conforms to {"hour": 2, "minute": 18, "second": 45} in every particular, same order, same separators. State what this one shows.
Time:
{"hour": 11, "minute": 21, "second": 29}
